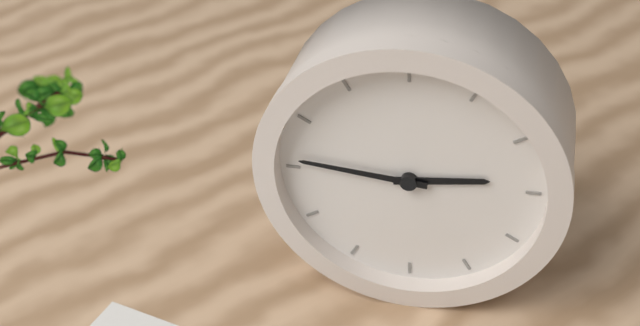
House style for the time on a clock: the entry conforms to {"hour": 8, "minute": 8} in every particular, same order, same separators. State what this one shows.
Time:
{"hour": 2, "minute": 46}
